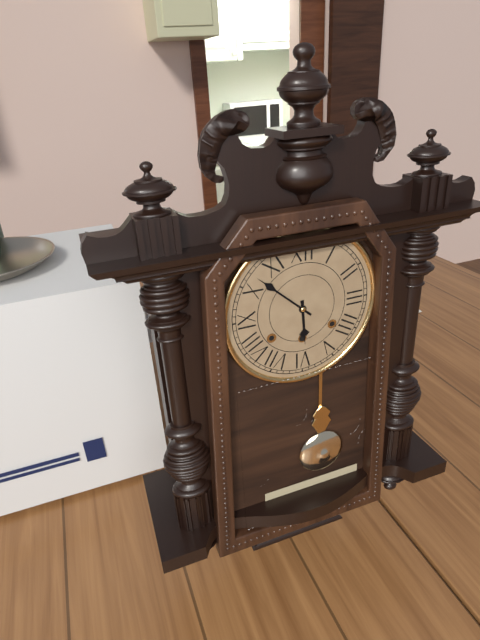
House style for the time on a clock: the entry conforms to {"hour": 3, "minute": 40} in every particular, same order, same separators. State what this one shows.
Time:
{"hour": 5, "minute": 52}
